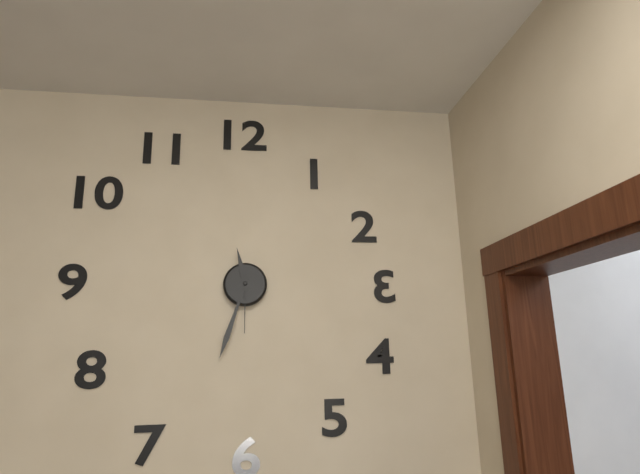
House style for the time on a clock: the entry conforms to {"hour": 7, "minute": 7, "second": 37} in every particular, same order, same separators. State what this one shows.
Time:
{"hour": 11, "minute": 33, "second": 30}
